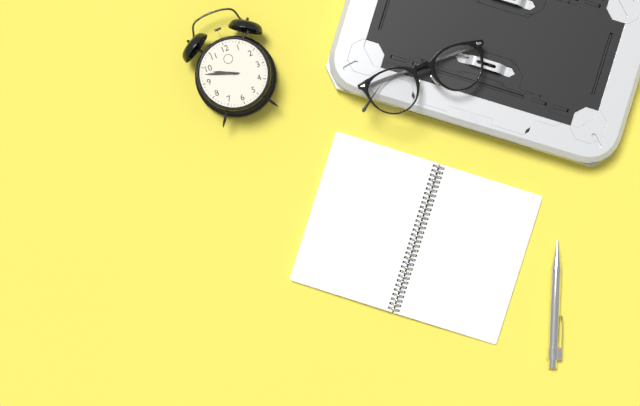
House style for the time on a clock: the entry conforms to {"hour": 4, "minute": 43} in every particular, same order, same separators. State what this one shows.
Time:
{"hour": 9, "minute": 48}
